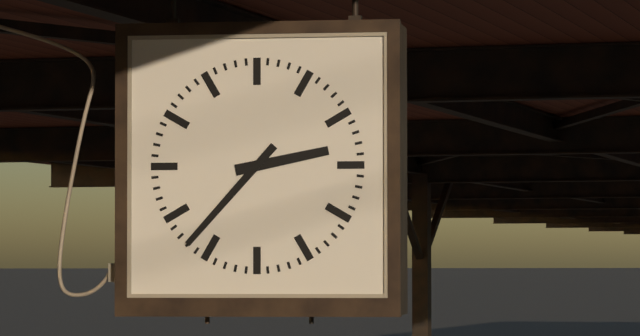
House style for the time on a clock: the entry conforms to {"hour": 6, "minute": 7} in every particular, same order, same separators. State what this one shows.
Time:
{"hour": 2, "minute": 37}
